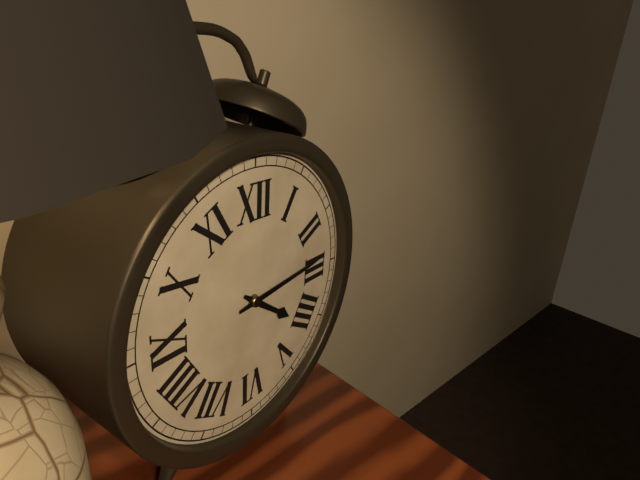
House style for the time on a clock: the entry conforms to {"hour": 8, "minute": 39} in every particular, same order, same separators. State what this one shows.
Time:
{"hour": 4, "minute": 14}
